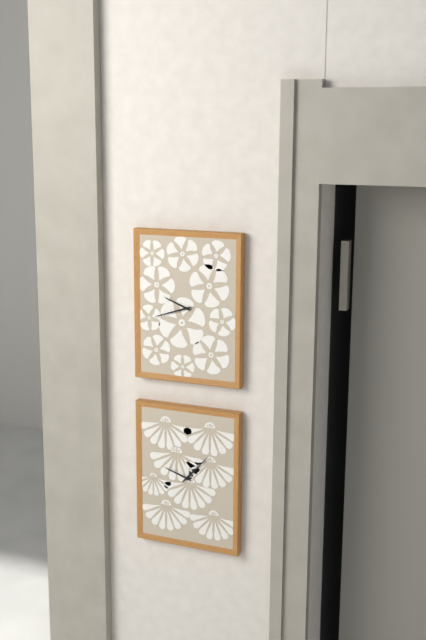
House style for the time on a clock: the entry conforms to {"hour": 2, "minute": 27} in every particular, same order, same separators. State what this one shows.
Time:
{"hour": 9, "minute": 42}
